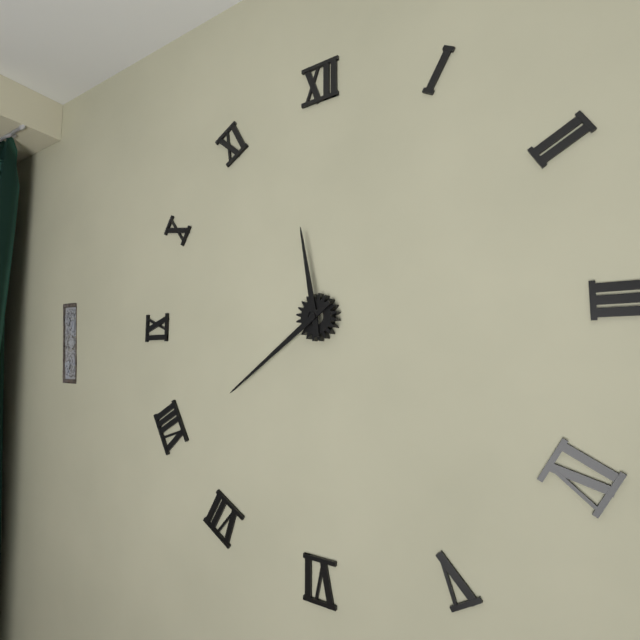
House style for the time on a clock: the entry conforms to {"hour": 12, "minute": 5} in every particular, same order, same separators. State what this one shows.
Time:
{"hour": 11, "minute": 39}
